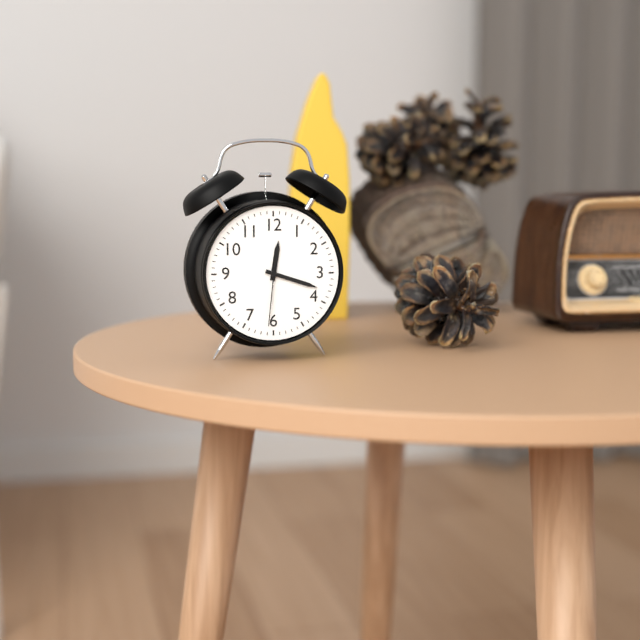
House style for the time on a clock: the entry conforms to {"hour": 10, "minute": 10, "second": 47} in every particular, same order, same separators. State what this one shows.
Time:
{"hour": 12, "minute": 18, "second": 31}
